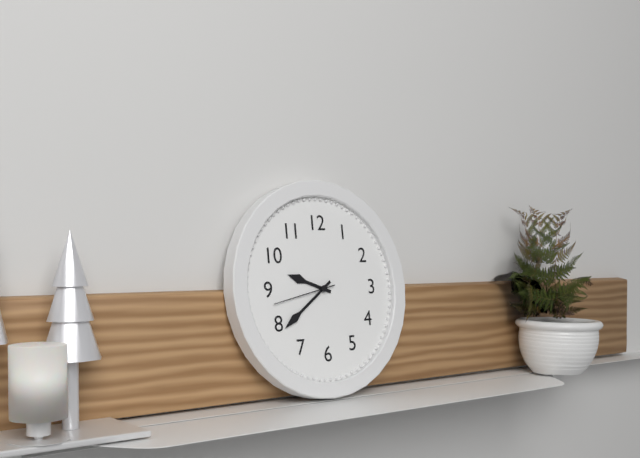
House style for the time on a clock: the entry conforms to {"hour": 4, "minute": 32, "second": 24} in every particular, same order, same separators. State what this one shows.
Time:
{"hour": 9, "minute": 39, "second": 43}
